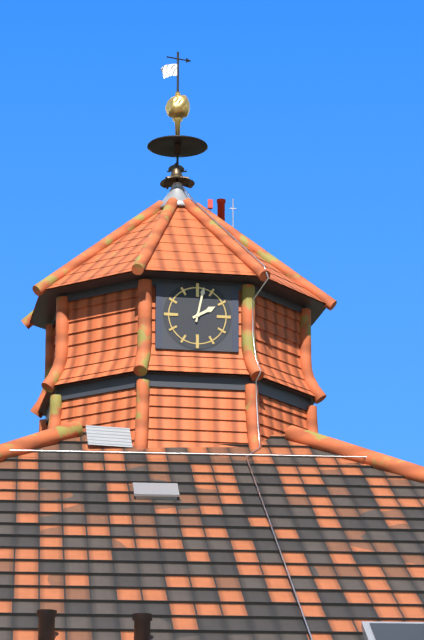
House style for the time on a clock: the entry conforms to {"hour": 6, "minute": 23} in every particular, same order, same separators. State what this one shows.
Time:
{"hour": 2, "minute": 2}
